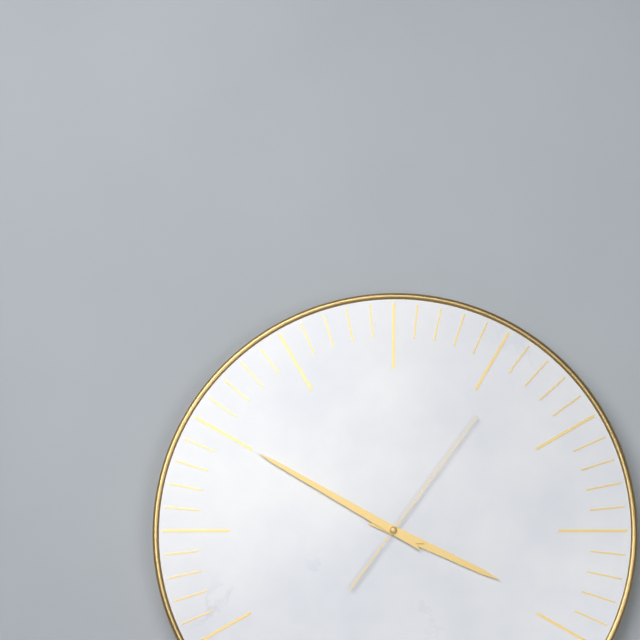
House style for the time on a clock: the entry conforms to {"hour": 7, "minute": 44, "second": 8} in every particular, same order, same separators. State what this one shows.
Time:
{"hour": 3, "minute": 50, "second": 6}
